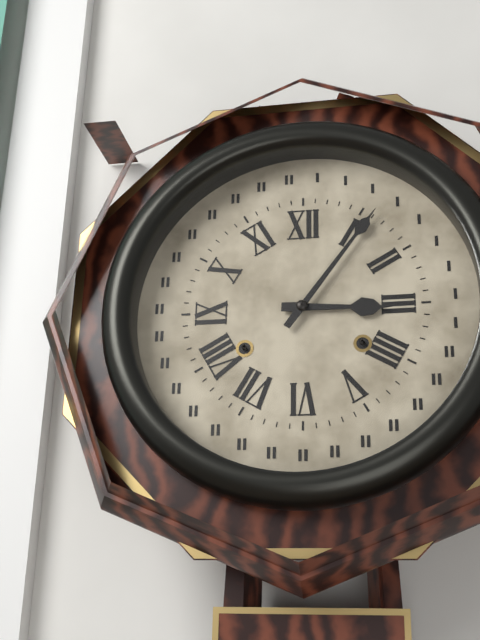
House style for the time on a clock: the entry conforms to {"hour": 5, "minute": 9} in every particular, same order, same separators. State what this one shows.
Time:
{"hour": 3, "minute": 6}
